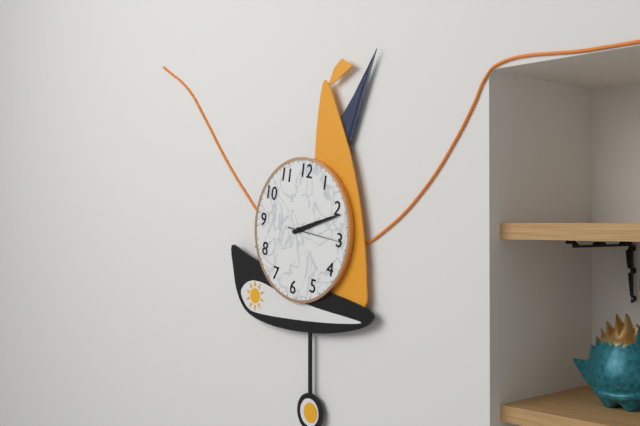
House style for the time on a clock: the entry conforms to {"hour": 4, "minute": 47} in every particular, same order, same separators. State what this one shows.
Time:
{"hour": 2, "minute": 11}
